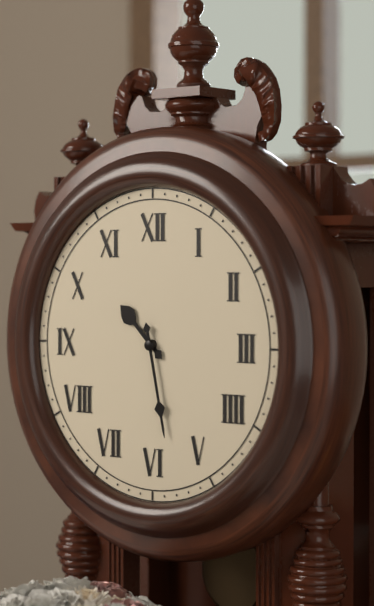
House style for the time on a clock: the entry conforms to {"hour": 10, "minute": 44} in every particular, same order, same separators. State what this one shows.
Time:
{"hour": 10, "minute": 28}
